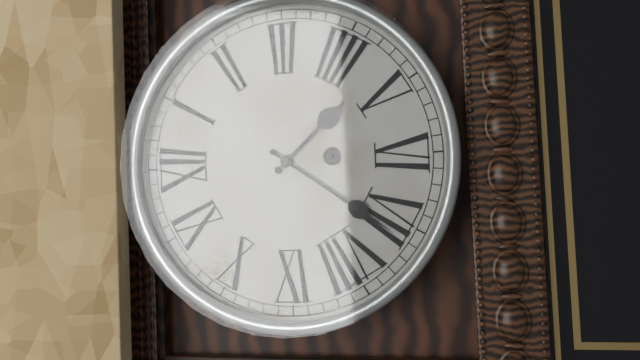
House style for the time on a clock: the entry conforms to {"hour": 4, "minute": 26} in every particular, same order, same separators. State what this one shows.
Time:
{"hour": 4, "minute": 36}
